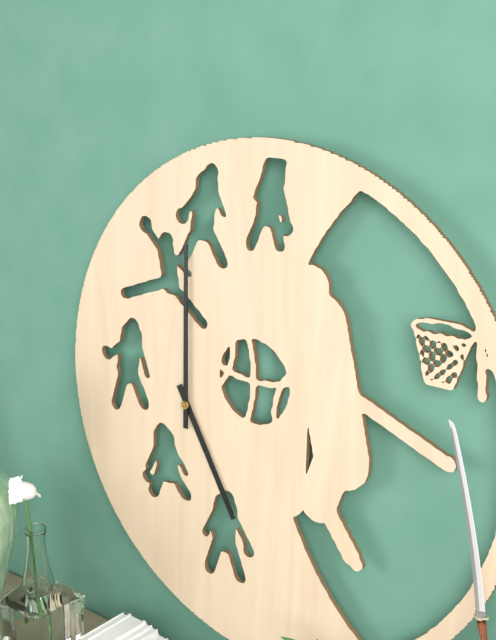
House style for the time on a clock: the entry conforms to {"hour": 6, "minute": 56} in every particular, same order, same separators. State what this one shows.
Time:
{"hour": 5, "minute": 0}
